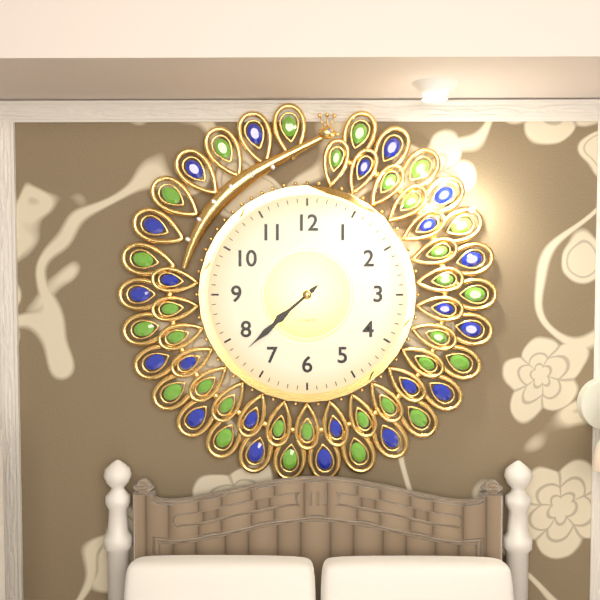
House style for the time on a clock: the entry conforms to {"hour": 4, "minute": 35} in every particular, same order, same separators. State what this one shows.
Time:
{"hour": 7, "minute": 38}
